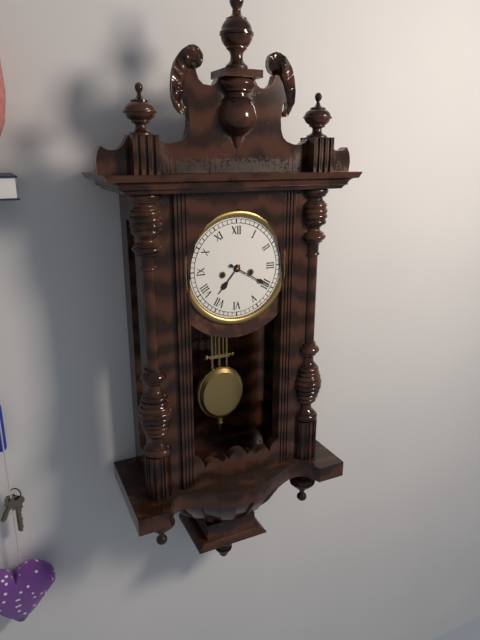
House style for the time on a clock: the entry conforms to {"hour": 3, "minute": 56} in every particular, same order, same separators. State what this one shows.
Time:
{"hour": 7, "minute": 20}
